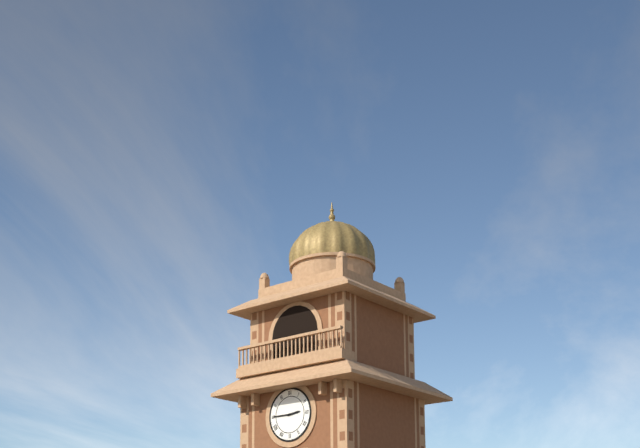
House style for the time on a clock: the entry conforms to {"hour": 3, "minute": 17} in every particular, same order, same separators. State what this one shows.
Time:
{"hour": 2, "minute": 45}
